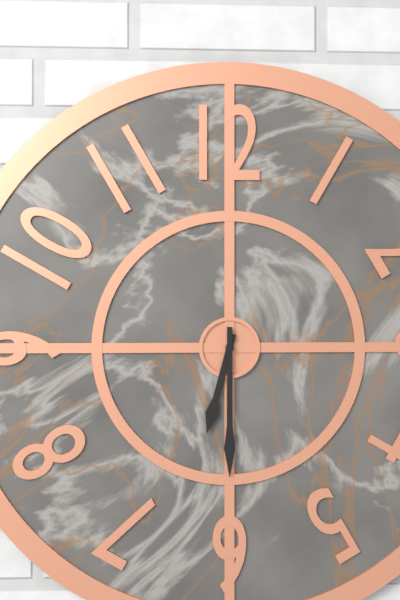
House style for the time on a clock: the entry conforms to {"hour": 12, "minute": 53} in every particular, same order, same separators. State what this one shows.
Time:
{"hour": 6, "minute": 30}
